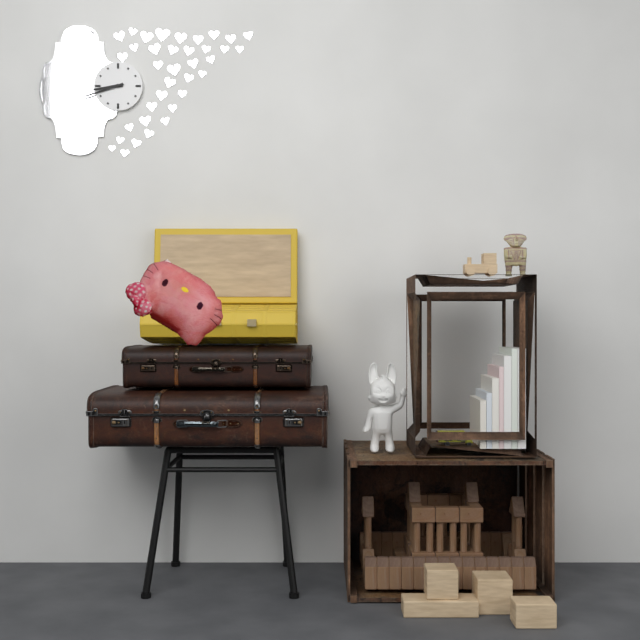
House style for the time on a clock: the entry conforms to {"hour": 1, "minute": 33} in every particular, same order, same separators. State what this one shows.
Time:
{"hour": 8, "minute": 42}
